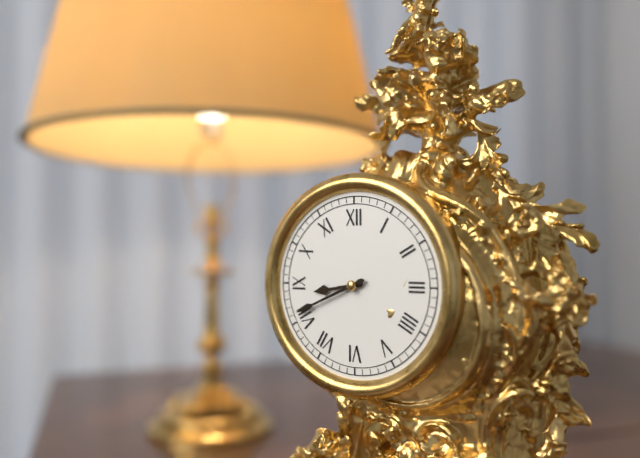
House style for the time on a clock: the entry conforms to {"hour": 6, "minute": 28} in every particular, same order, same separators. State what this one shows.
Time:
{"hour": 8, "minute": 41}
